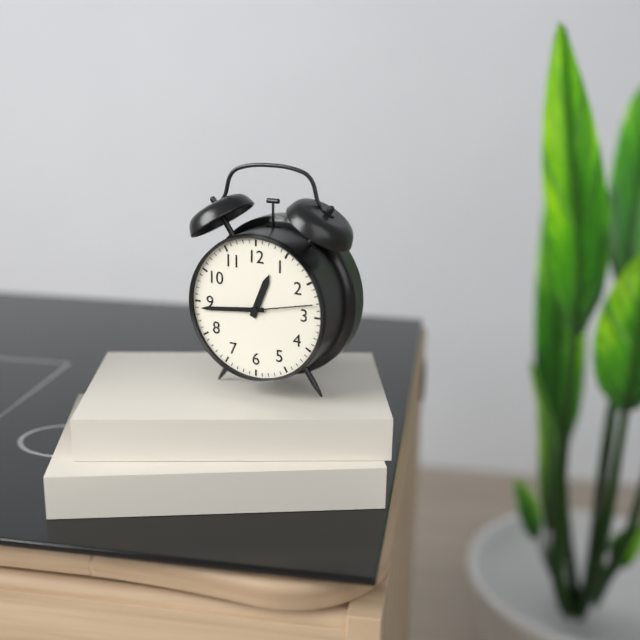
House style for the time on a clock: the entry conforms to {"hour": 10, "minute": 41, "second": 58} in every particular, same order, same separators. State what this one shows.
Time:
{"hour": 12, "minute": 44, "second": 13}
